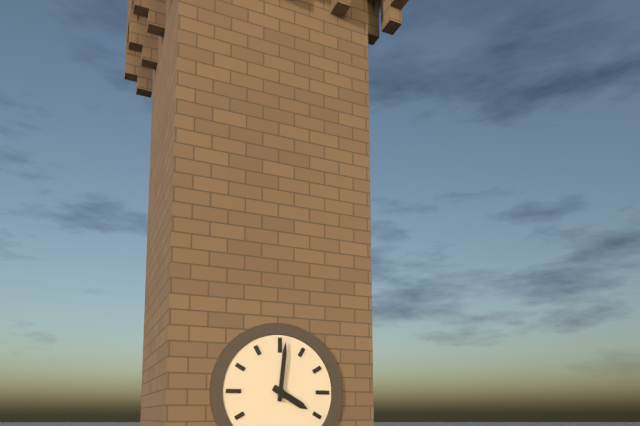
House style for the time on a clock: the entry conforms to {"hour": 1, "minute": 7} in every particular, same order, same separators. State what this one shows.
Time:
{"hour": 4, "minute": 1}
